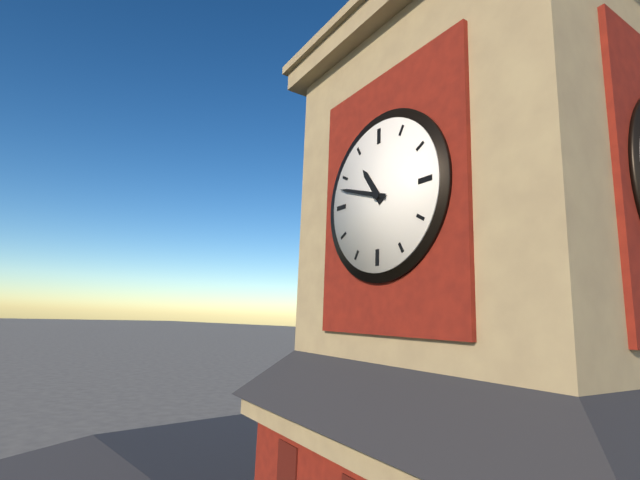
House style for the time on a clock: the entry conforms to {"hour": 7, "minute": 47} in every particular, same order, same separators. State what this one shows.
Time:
{"hour": 10, "minute": 48}
